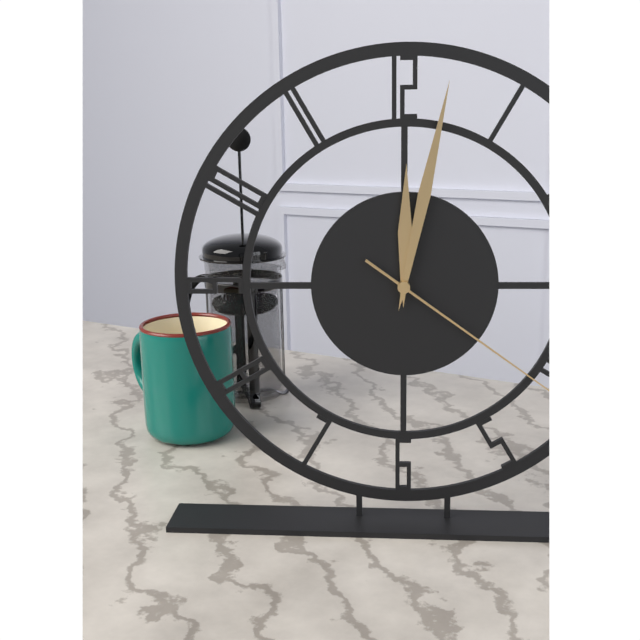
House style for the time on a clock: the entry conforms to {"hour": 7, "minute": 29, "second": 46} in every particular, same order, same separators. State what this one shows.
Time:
{"hour": 12, "minute": 2, "second": 21}
